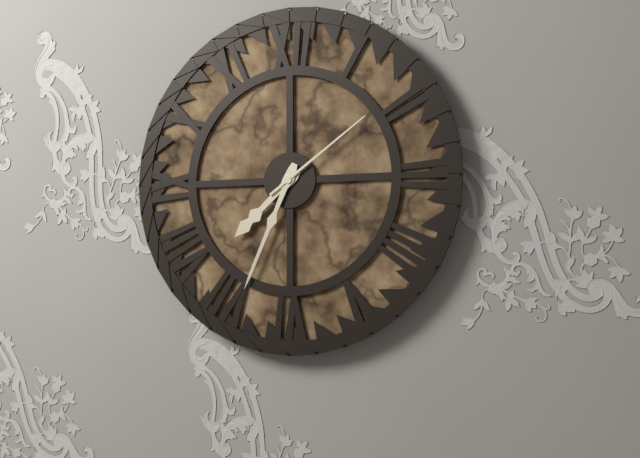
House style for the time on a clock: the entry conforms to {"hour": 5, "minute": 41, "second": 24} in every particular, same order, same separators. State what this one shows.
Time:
{"hour": 7, "minute": 34, "second": 9}
